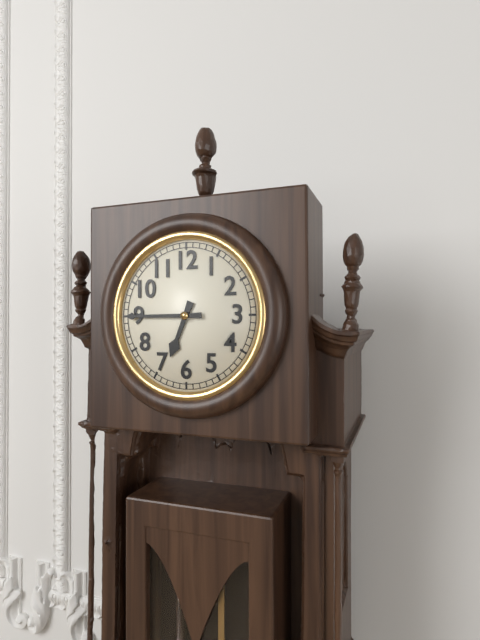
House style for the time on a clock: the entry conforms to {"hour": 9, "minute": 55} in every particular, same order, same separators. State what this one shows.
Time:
{"hour": 6, "minute": 45}
